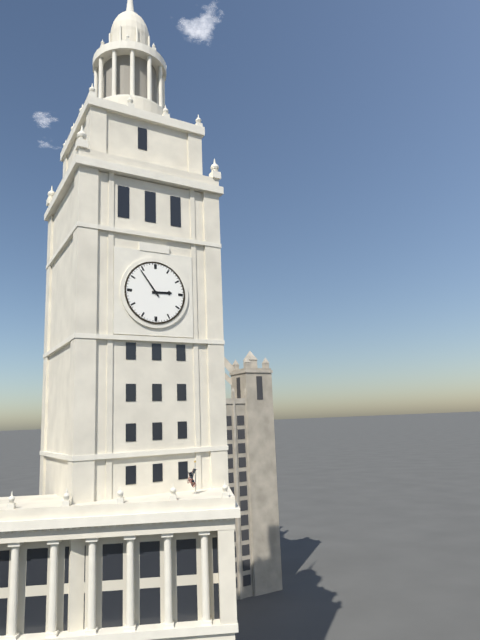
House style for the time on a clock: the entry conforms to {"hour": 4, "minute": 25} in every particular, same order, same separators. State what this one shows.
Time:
{"hour": 2, "minute": 54}
